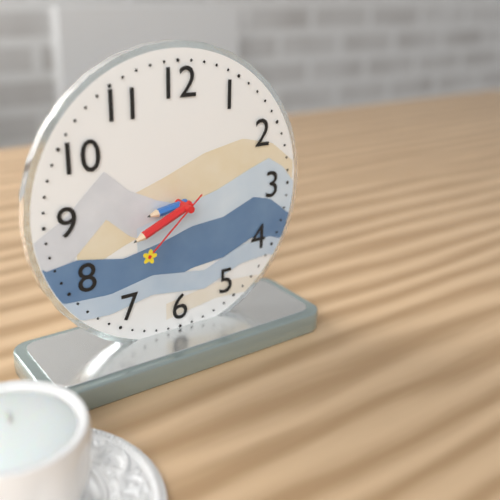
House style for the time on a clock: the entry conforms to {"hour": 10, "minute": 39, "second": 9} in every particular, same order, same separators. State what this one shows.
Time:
{"hour": 8, "minute": 41, "second": 38}
